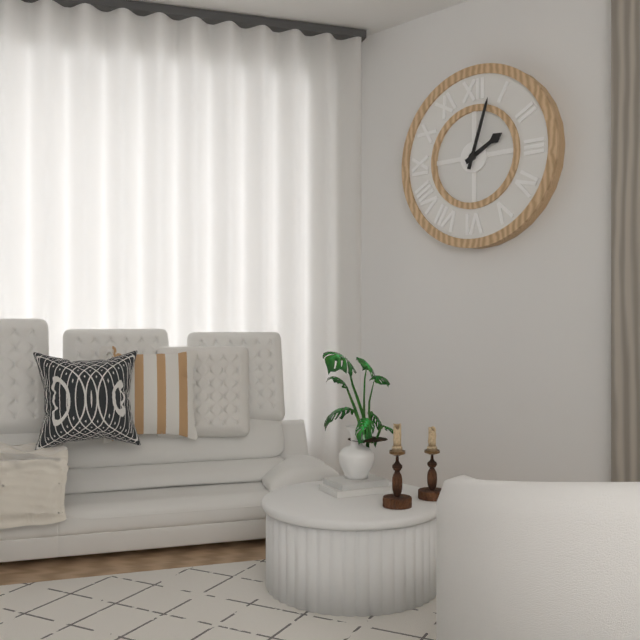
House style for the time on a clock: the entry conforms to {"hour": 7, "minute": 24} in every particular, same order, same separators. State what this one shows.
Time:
{"hour": 2, "minute": 3}
